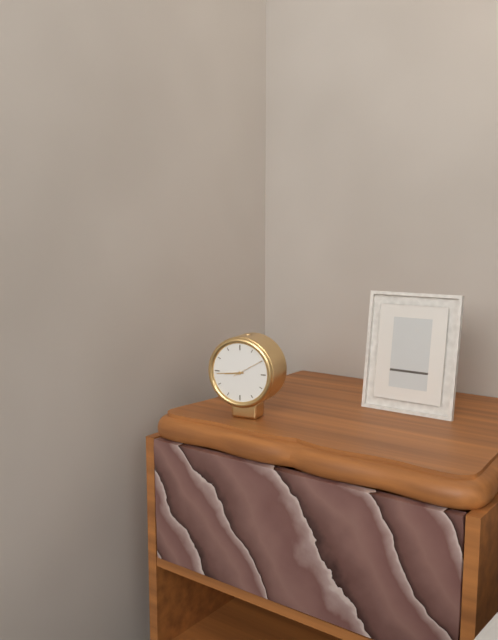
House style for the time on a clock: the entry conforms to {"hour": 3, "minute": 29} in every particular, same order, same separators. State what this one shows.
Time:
{"hour": 8, "minute": 44}
